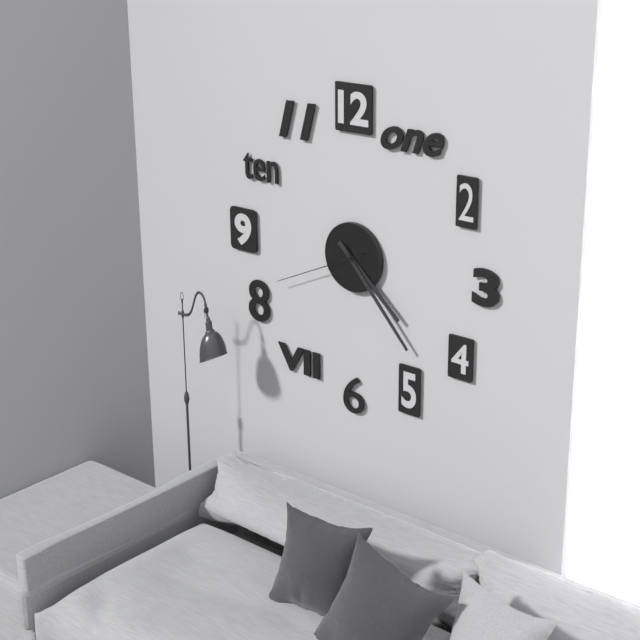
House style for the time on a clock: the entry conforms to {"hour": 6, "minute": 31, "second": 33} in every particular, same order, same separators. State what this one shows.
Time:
{"hour": 4, "minute": 23, "second": 41}
